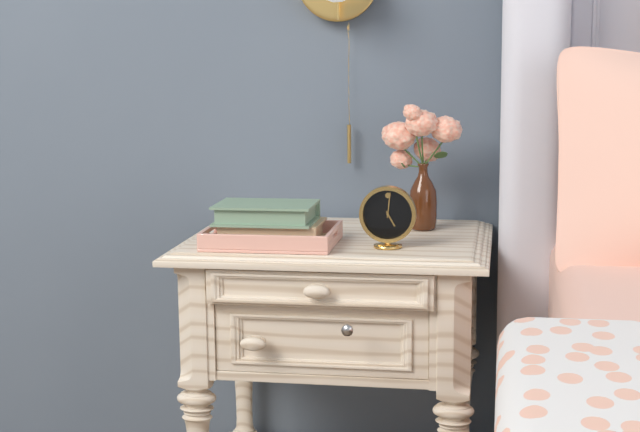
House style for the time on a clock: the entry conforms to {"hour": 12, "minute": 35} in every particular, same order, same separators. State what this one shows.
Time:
{"hour": 5, "minute": 1}
